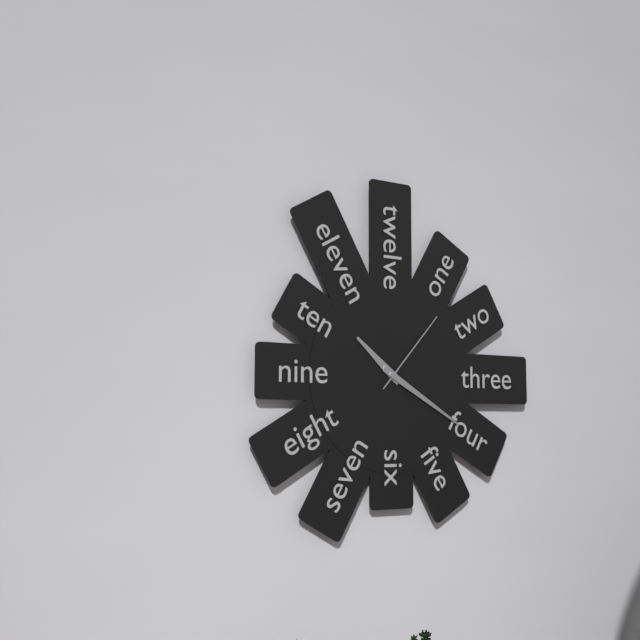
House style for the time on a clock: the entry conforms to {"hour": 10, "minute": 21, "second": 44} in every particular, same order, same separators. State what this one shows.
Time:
{"hour": 10, "minute": 20, "second": 7}
